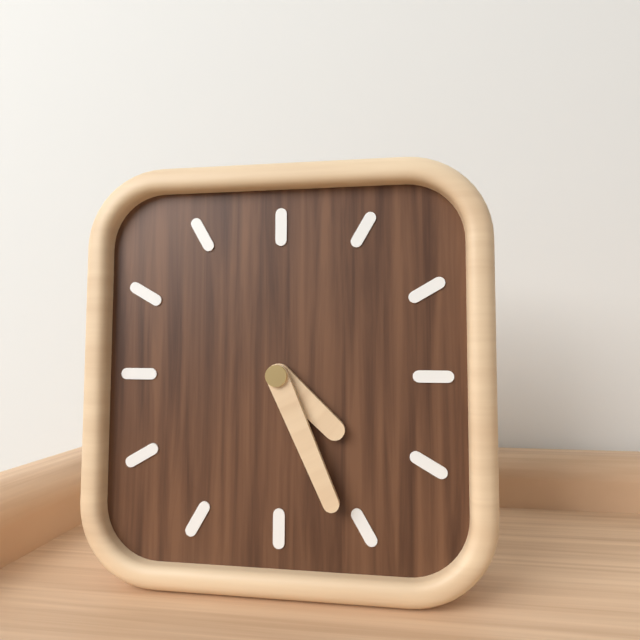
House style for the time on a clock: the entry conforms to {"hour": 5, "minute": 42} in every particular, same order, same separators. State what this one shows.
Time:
{"hour": 4, "minute": 26}
